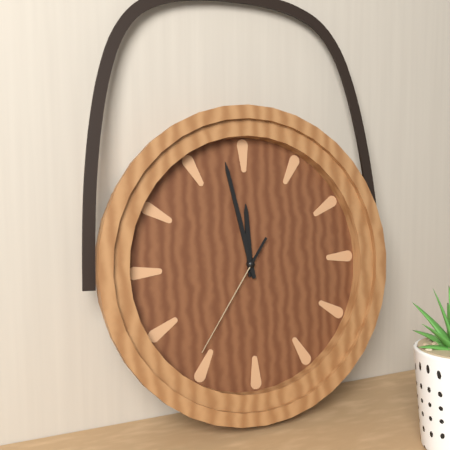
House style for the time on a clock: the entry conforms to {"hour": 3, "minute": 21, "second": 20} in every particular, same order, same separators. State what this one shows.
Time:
{"hour": 11, "minute": 58, "second": 36}
